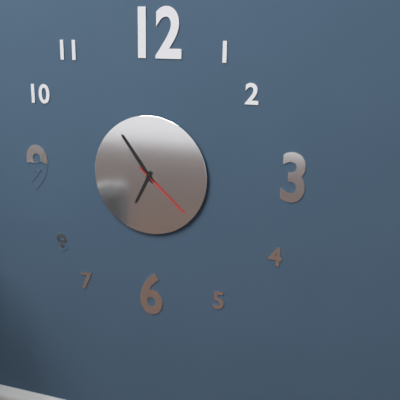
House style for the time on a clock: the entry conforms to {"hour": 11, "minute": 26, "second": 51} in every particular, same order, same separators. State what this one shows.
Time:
{"hour": 6, "minute": 54, "second": 22}
